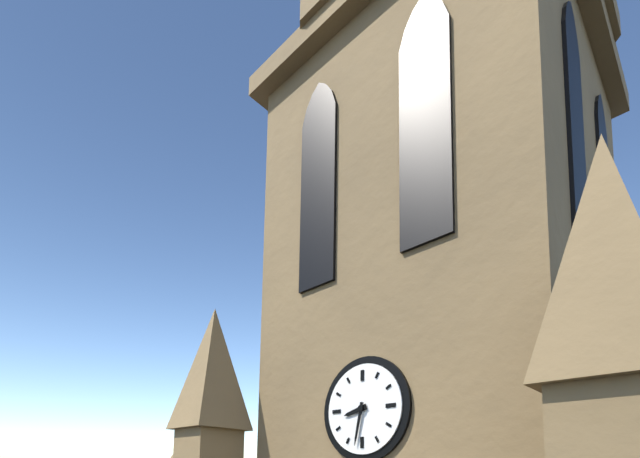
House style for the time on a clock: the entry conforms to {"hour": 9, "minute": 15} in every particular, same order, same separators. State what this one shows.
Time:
{"hour": 8, "minute": 32}
